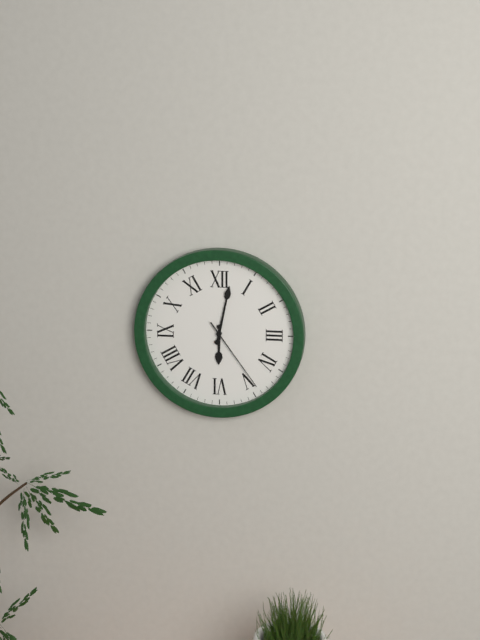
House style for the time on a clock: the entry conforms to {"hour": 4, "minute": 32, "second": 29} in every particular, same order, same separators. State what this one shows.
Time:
{"hour": 6, "minute": 2, "second": 24}
